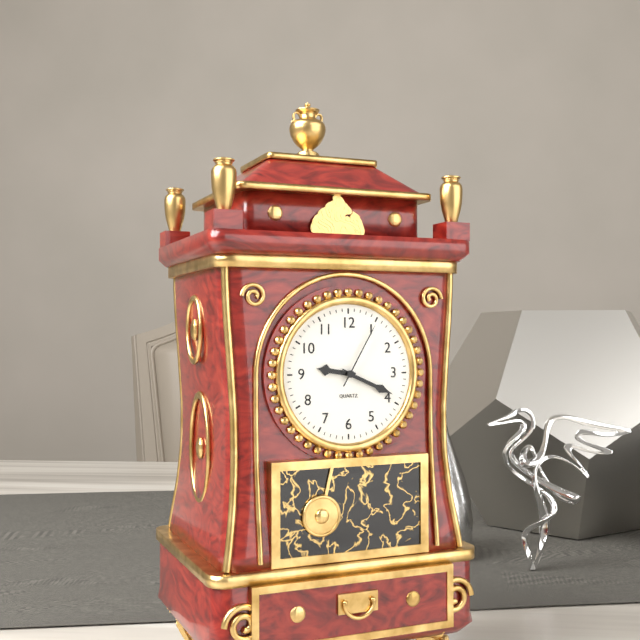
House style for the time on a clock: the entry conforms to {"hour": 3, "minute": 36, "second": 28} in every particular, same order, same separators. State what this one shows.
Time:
{"hour": 9, "minute": 19, "second": 5}
